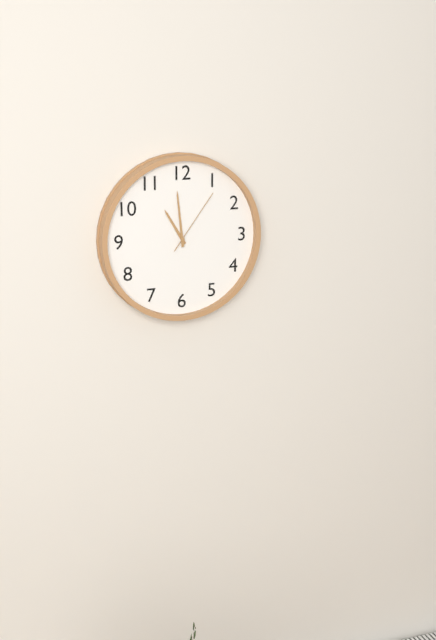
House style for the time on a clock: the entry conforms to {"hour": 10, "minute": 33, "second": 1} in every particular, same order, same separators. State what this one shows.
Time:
{"hour": 10, "minute": 59, "second": 6}
